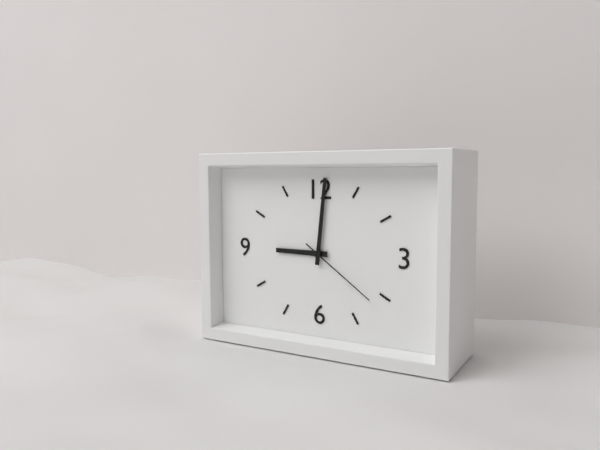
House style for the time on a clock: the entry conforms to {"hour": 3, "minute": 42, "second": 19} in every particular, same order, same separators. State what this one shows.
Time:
{"hour": 9, "minute": 1, "second": 21}
